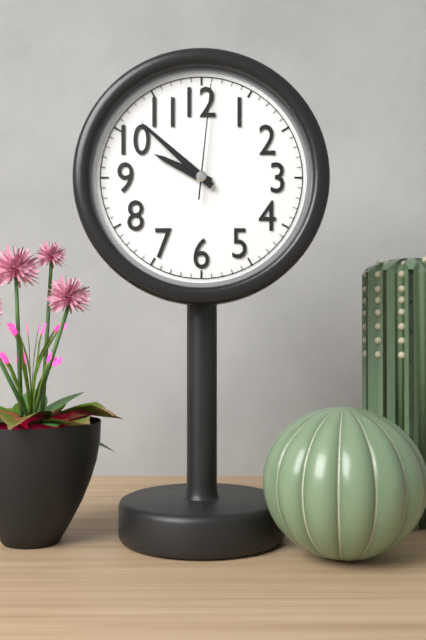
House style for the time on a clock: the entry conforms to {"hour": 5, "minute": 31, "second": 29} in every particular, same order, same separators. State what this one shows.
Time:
{"hour": 9, "minute": 52, "second": 1}
